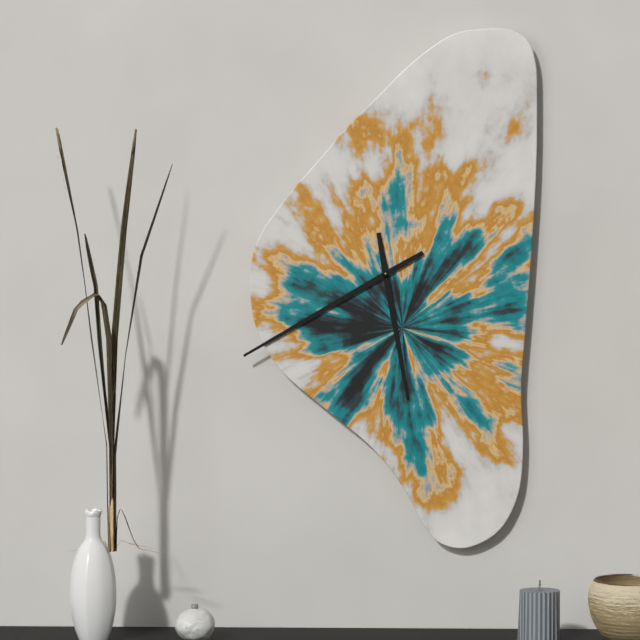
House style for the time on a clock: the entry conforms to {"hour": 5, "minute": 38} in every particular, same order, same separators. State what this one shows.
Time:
{"hour": 5, "minute": 40}
